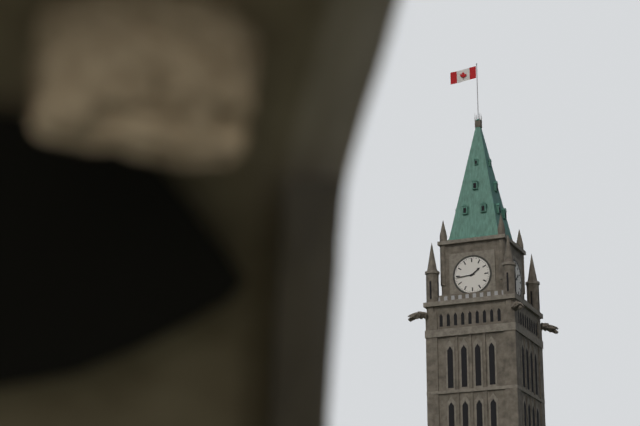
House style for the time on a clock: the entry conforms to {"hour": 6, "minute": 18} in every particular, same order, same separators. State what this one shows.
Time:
{"hour": 1, "minute": 44}
